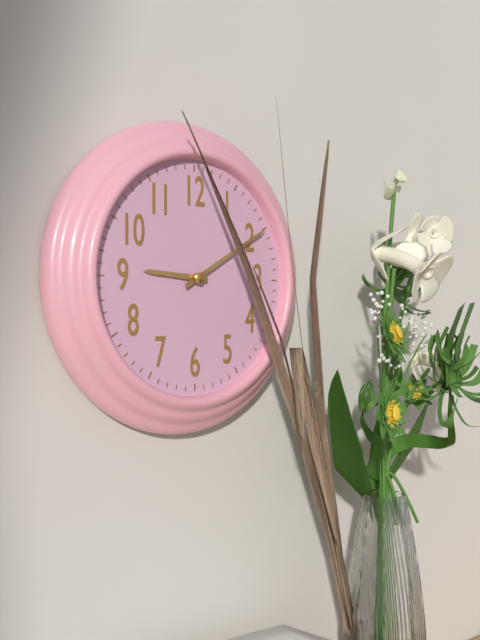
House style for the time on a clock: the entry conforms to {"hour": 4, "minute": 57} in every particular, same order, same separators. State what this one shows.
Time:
{"hour": 9, "minute": 10}
